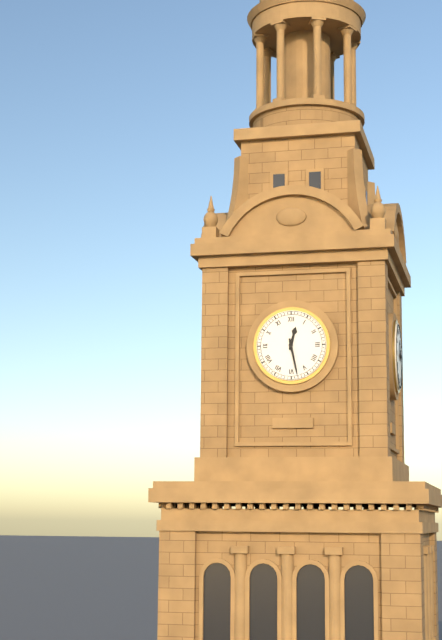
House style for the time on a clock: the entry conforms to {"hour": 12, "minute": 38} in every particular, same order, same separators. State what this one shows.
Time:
{"hour": 12, "minute": 28}
